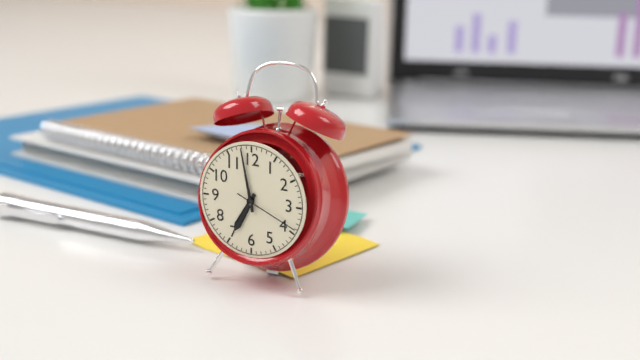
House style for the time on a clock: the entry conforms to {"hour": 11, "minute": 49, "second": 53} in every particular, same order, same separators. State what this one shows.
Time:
{"hour": 6, "minute": 58, "second": 19}
